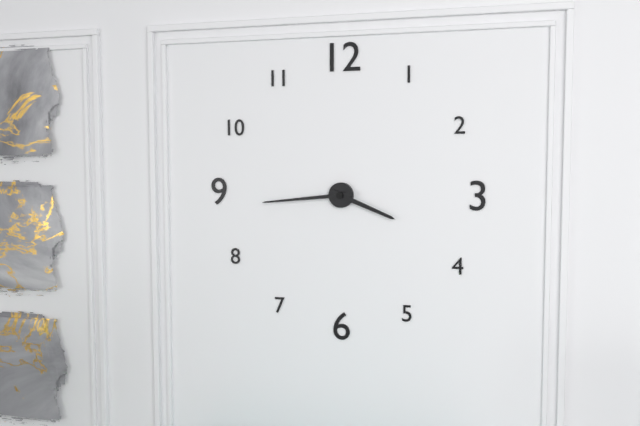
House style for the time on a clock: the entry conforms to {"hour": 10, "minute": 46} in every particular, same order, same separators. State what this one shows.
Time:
{"hour": 3, "minute": 44}
